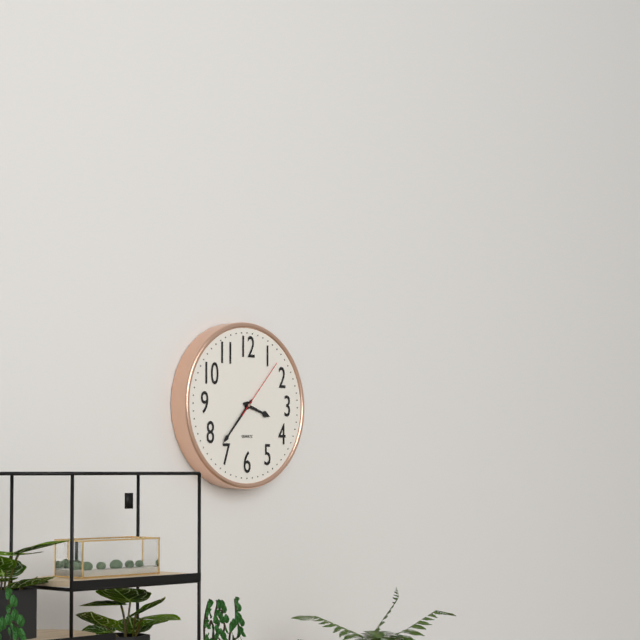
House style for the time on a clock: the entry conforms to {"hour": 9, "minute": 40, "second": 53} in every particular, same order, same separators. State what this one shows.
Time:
{"hour": 3, "minute": 37, "second": 7}
